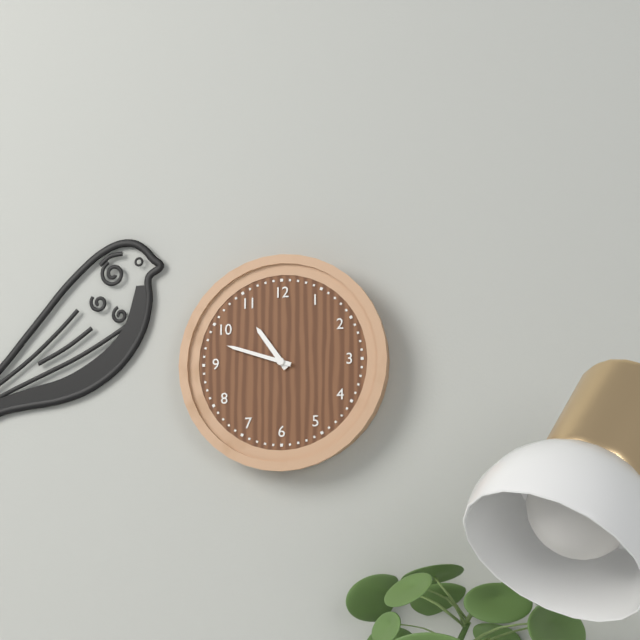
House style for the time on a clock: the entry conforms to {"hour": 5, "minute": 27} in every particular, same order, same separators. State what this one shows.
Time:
{"hour": 10, "minute": 48}
